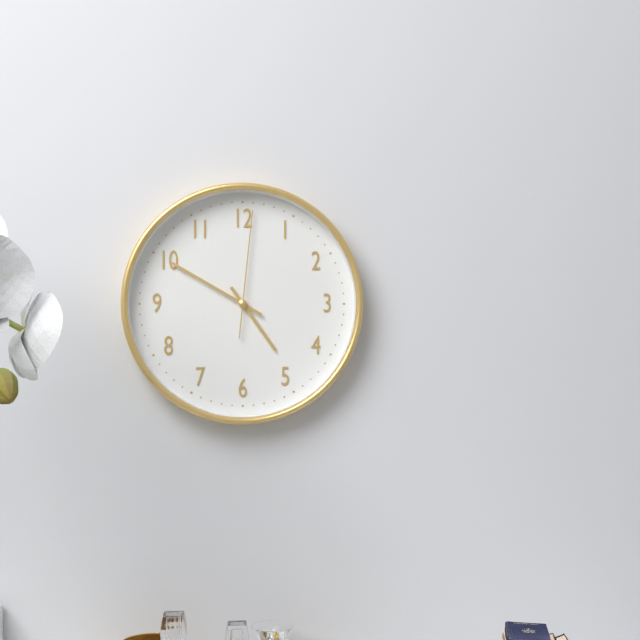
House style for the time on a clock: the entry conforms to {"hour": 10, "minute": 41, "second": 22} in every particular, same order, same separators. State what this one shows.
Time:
{"hour": 4, "minute": 50, "second": 1}
